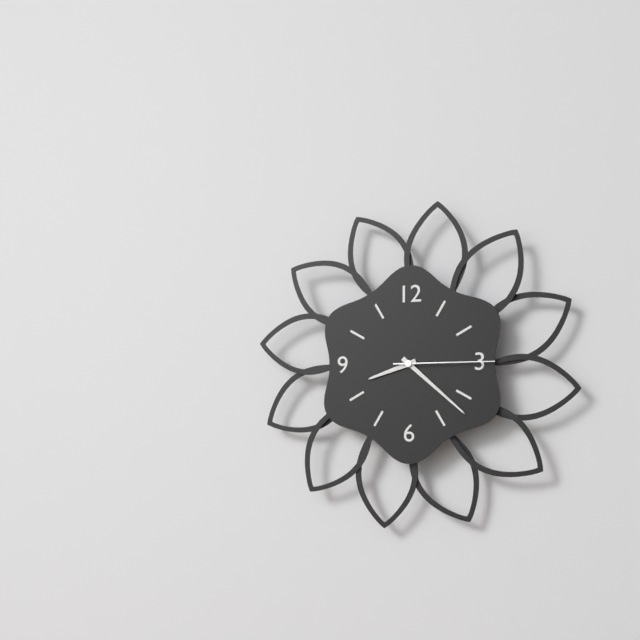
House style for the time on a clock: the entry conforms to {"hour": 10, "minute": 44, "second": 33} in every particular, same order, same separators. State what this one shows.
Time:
{"hour": 8, "minute": 22, "second": 15}
